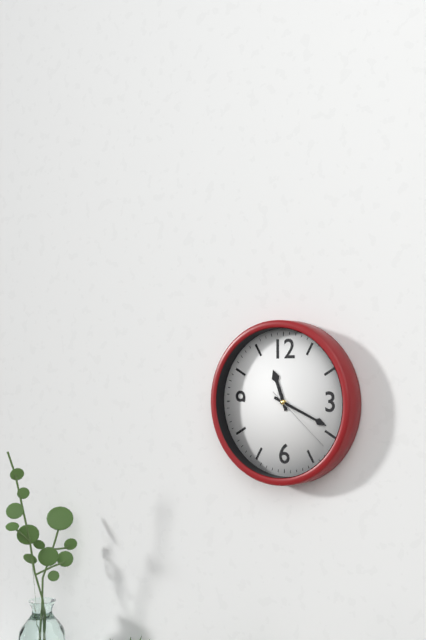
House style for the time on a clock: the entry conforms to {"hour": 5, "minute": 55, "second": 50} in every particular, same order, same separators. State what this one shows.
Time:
{"hour": 11, "minute": 19, "second": 22}
